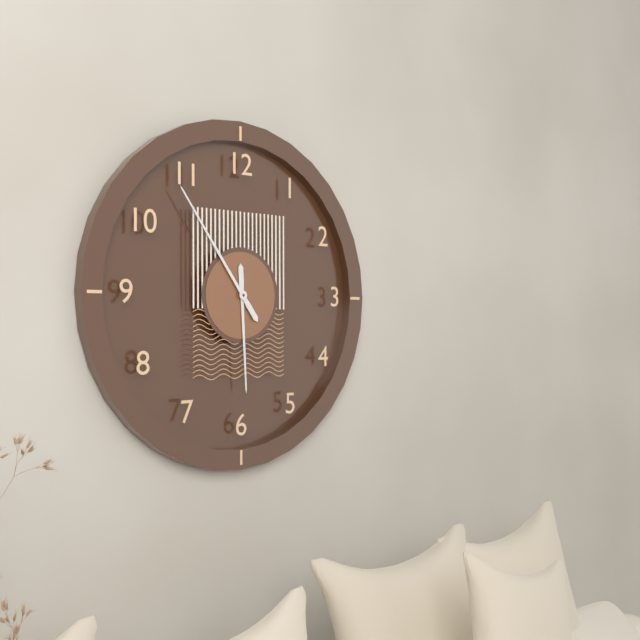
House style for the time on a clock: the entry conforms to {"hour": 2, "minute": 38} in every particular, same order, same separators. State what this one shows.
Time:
{"hour": 5, "minute": 54}
